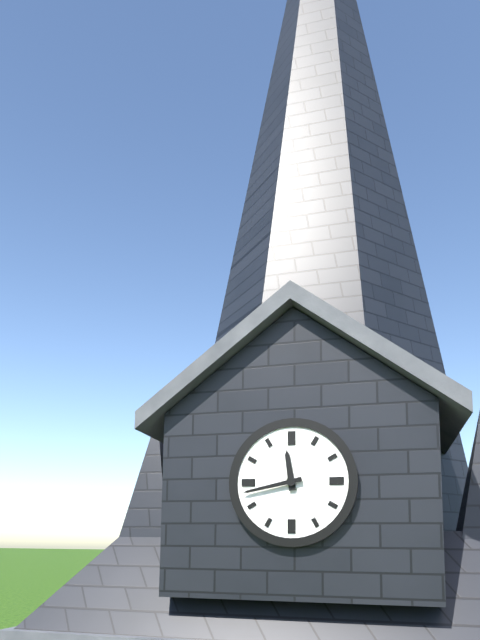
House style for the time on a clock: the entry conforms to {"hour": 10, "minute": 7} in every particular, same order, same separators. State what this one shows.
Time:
{"hour": 11, "minute": 43}
